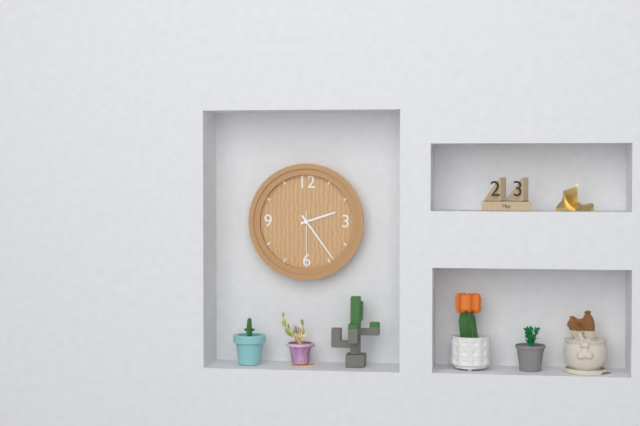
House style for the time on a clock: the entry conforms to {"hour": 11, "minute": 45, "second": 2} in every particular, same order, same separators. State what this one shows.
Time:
{"hour": 2, "minute": 24, "second": 30}
